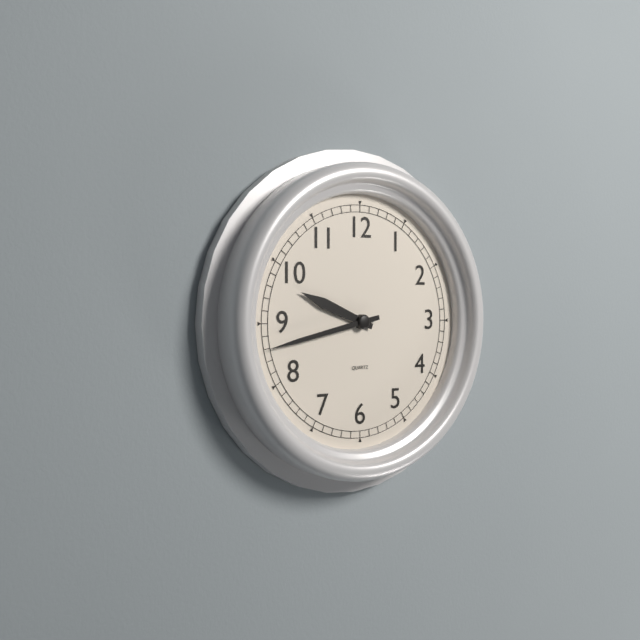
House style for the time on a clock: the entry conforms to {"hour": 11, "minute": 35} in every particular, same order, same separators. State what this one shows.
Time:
{"hour": 9, "minute": 43}
